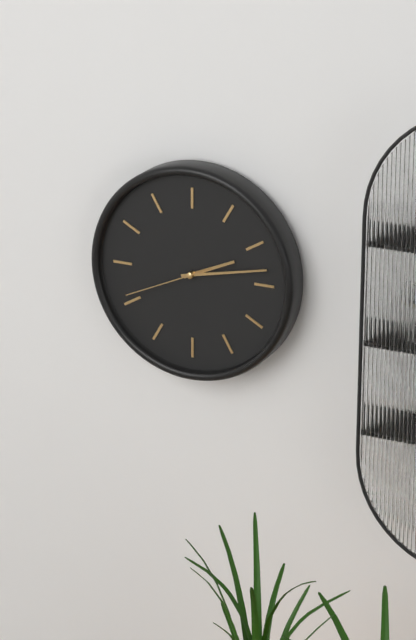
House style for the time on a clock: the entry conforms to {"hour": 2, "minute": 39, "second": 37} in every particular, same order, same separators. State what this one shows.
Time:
{"hour": 2, "minute": 13, "second": 41}
